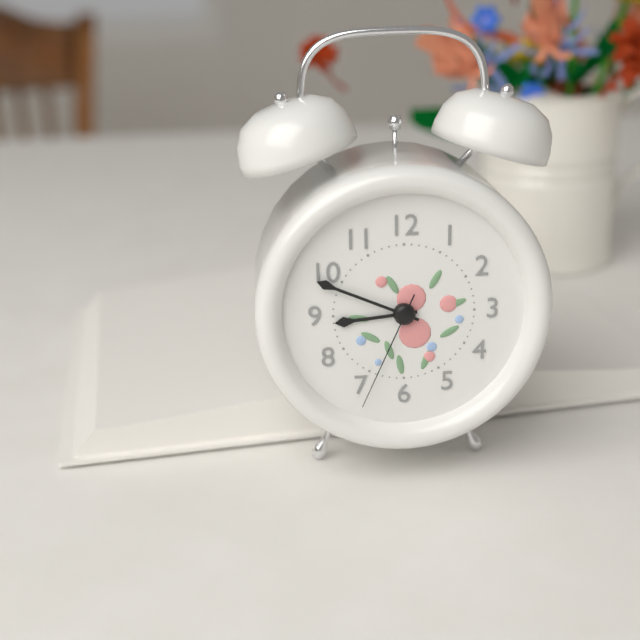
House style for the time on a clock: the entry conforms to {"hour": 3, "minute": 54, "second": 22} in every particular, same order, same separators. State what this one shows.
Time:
{"hour": 8, "minute": 49, "second": 34}
